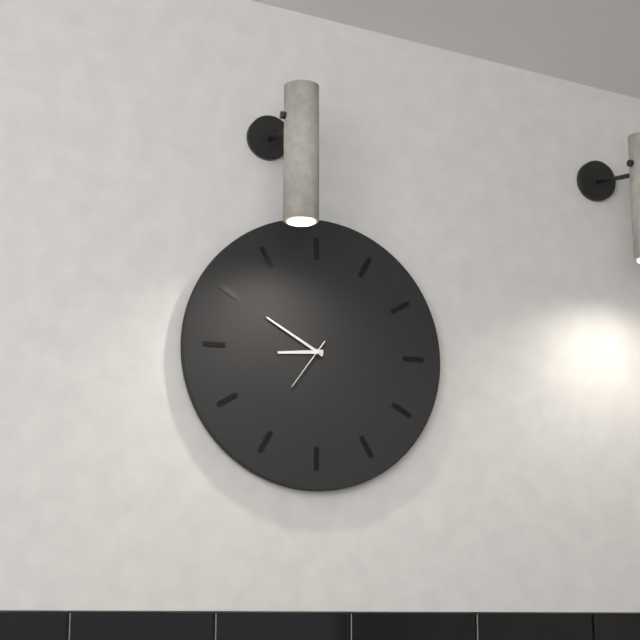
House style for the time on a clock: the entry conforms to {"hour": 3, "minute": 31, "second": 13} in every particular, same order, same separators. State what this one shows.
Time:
{"hour": 8, "minute": 50, "second": 36}
